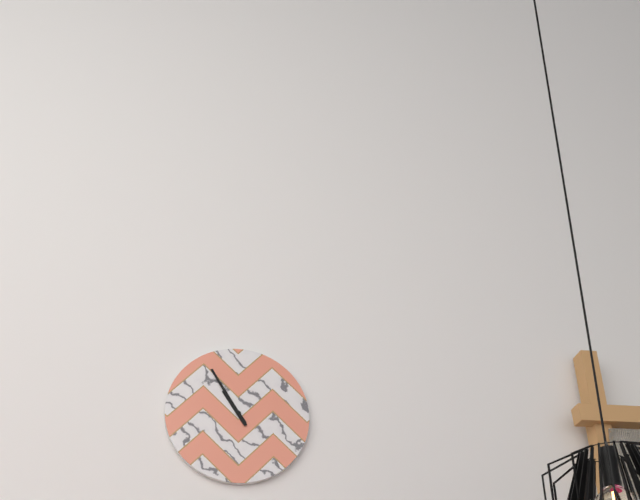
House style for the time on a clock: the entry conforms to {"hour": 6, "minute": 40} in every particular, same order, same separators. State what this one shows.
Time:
{"hour": 10, "minute": 55}
